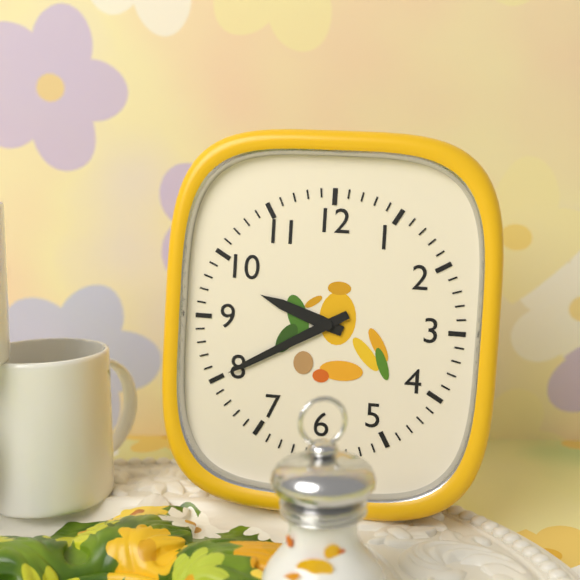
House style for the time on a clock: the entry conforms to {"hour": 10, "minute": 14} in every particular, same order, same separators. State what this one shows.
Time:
{"hour": 9, "minute": 40}
